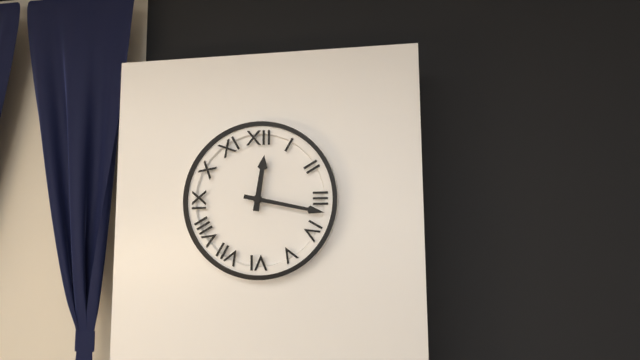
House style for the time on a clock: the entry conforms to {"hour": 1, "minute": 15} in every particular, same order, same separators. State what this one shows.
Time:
{"hour": 12, "minute": 17}
